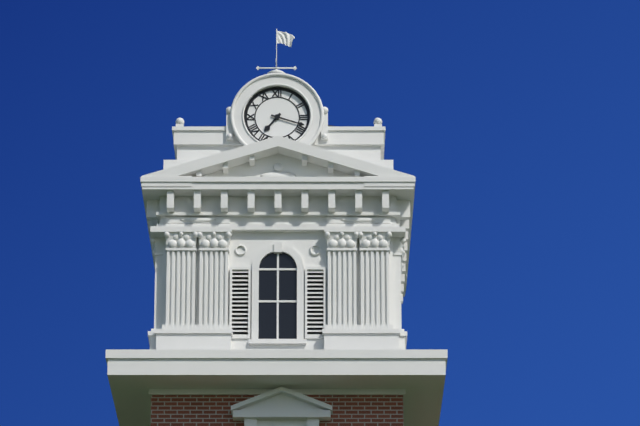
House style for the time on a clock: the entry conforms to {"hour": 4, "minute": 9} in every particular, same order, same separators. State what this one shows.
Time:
{"hour": 7, "minute": 18}
